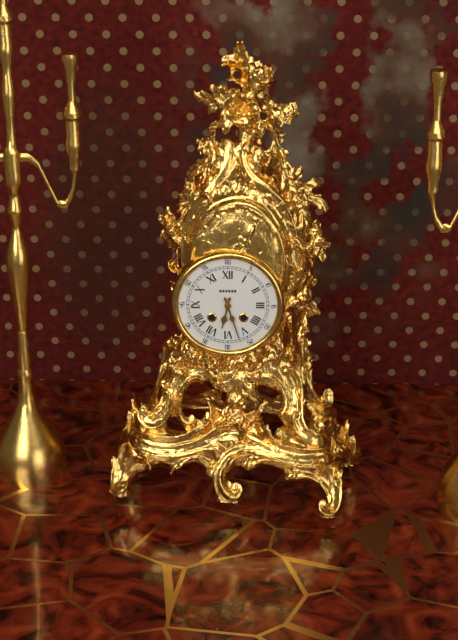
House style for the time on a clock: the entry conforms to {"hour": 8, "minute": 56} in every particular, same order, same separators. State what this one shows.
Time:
{"hour": 6, "minute": 27}
